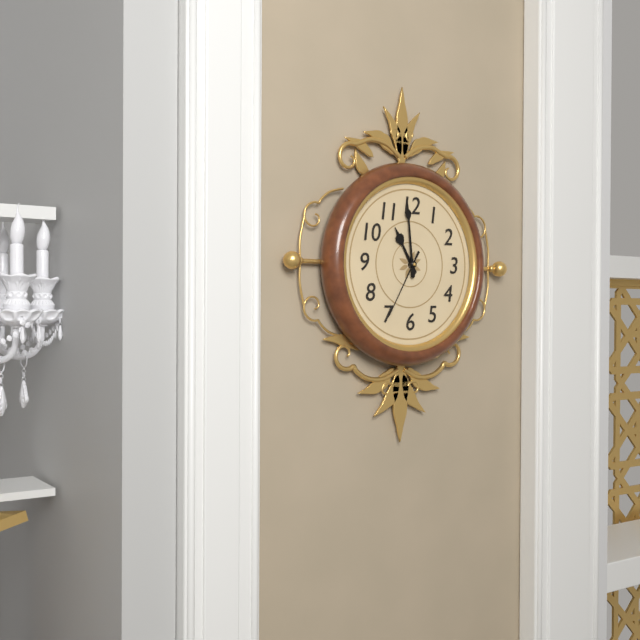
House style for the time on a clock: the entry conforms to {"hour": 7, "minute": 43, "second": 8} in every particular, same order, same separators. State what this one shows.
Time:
{"hour": 10, "minute": 59, "second": 35}
